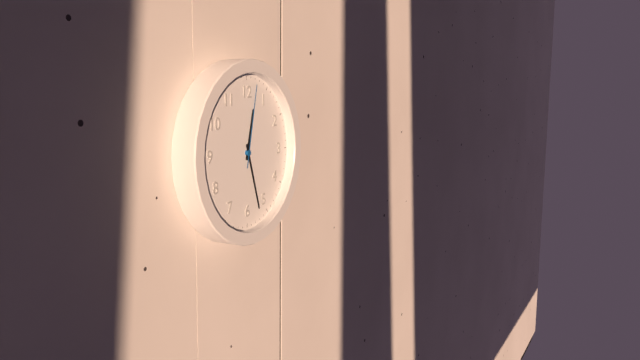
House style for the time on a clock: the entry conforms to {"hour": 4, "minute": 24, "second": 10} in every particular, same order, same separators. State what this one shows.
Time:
{"hour": 12, "minute": 27, "second": 2}
